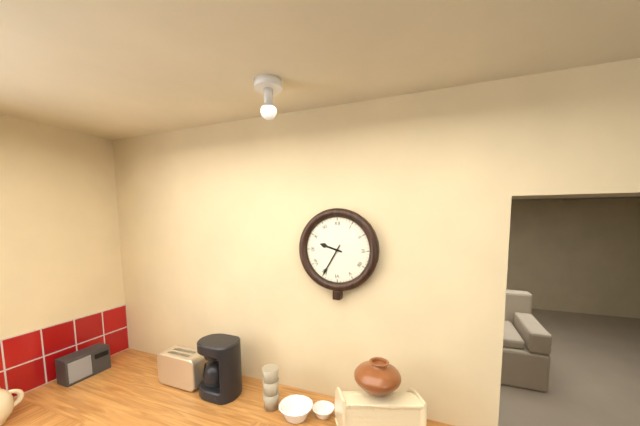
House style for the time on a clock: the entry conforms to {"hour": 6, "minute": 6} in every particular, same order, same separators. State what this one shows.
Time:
{"hour": 9, "minute": 35}
